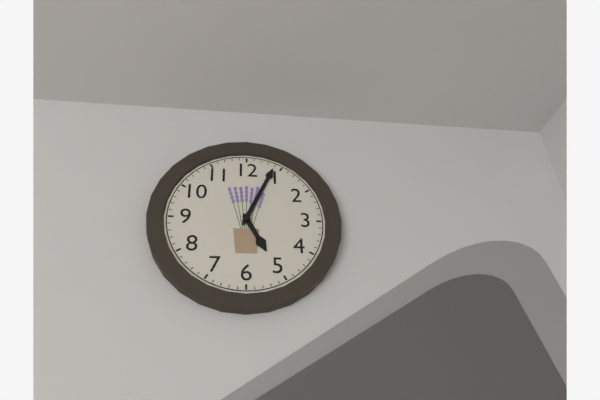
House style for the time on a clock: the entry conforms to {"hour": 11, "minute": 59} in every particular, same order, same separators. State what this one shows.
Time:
{"hour": 5, "minute": 4}
